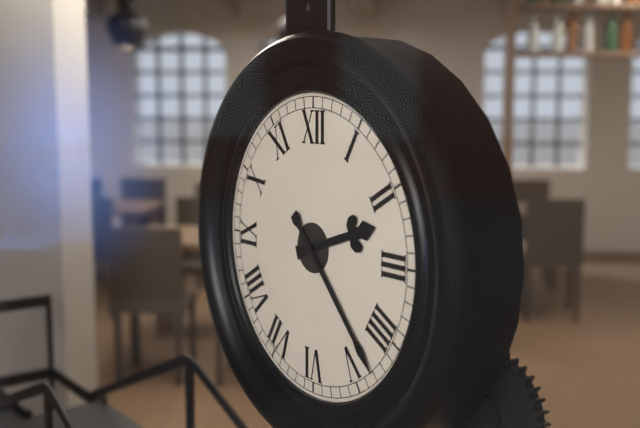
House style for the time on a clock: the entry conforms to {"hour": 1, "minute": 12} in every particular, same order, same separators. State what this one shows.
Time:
{"hour": 2, "minute": 23}
